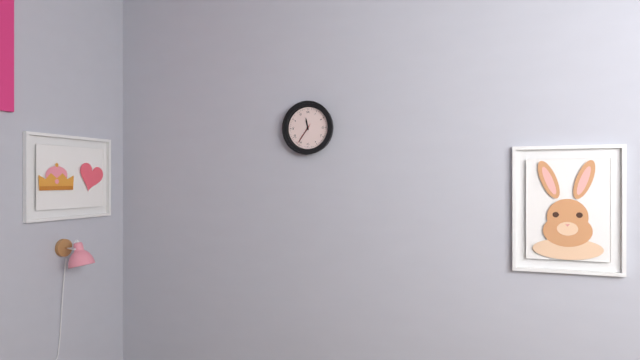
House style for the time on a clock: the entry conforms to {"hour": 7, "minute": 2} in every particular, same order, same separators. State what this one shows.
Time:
{"hour": 11, "minute": 36}
